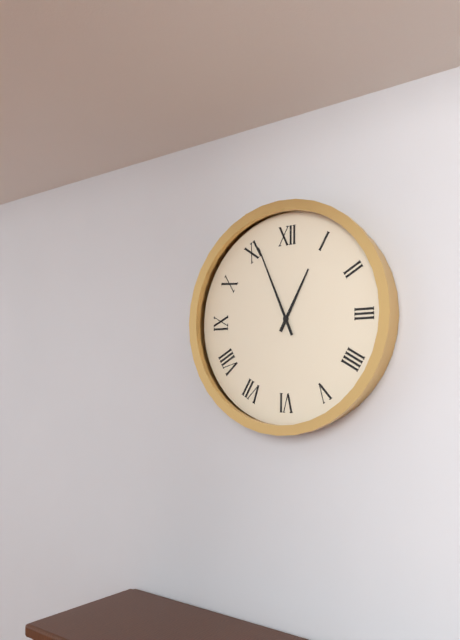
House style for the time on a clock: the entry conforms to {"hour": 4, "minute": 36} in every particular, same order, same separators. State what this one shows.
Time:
{"hour": 12, "minute": 56}
